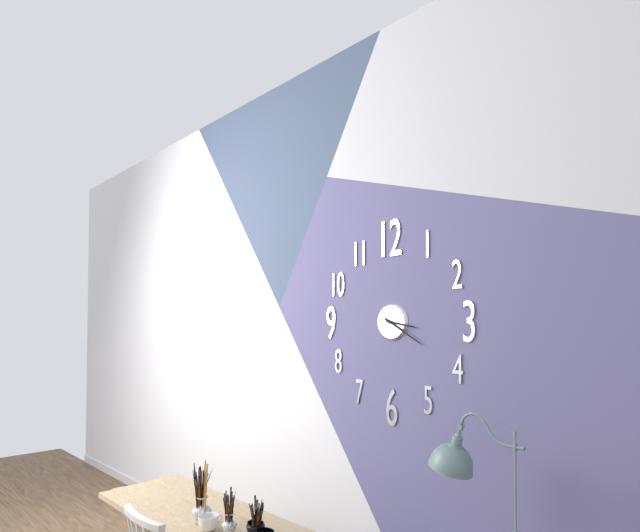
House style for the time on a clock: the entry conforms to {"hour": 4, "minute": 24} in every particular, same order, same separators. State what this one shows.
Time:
{"hour": 3, "minute": 20}
